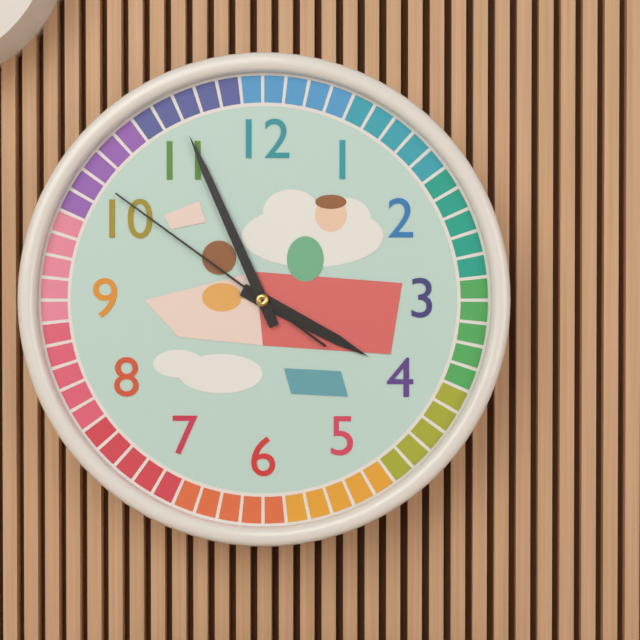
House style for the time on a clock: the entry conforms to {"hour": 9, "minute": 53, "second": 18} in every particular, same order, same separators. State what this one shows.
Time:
{"hour": 3, "minute": 56, "second": 51}
